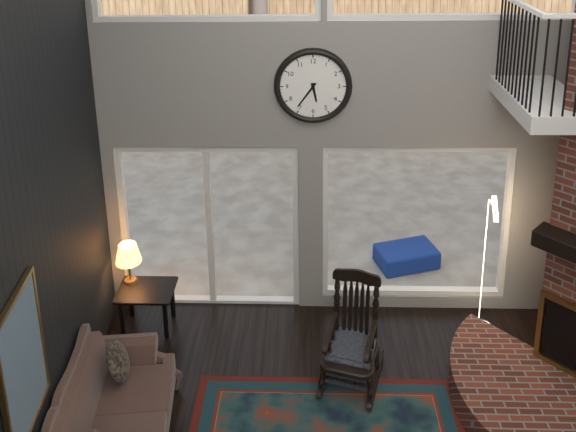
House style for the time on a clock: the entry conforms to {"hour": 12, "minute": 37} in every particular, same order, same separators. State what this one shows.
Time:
{"hour": 5, "minute": 36}
